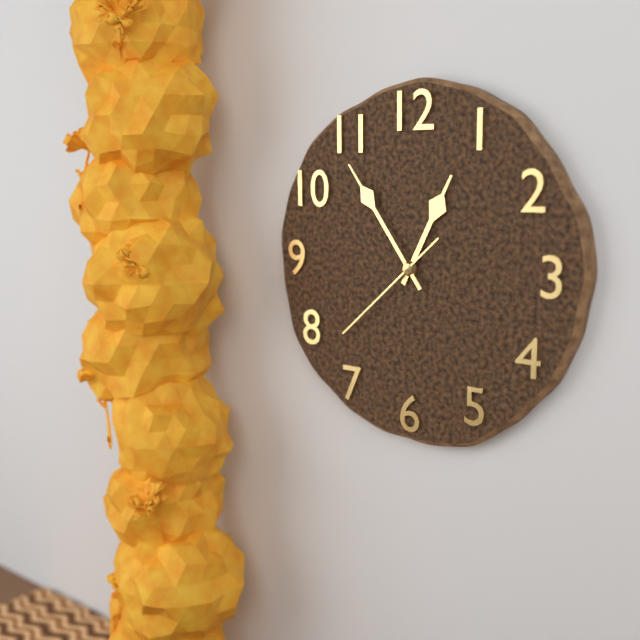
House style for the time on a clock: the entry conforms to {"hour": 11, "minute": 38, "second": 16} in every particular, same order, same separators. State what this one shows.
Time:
{"hour": 12, "minute": 54, "second": 38}
